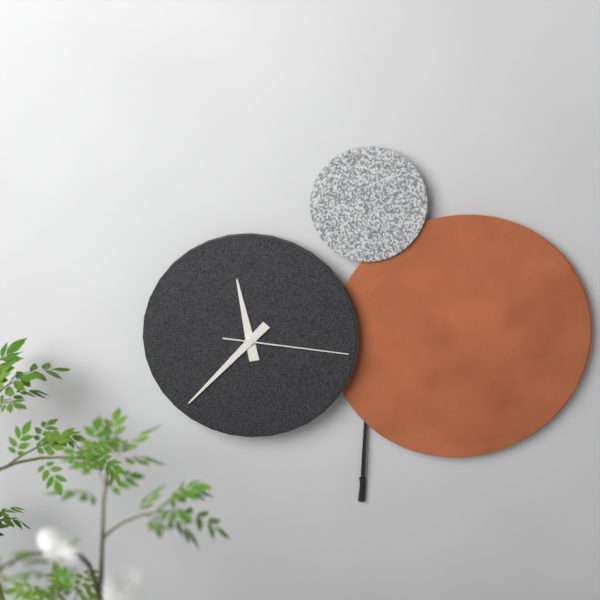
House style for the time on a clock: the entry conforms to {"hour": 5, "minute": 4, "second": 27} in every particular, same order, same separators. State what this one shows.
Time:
{"hour": 11, "minute": 37, "second": 16}
